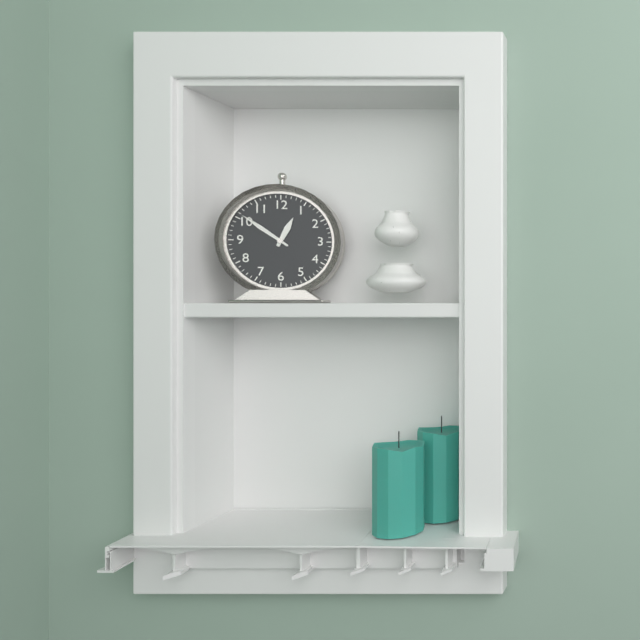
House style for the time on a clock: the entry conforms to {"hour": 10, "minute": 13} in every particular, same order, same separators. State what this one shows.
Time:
{"hour": 12, "minute": 51}
